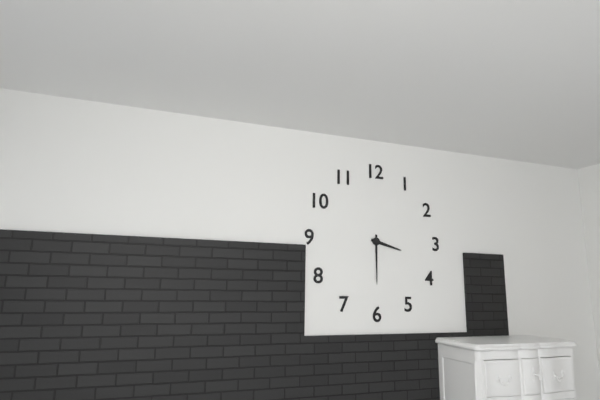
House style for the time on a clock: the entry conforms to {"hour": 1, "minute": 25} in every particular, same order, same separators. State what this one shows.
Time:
{"hour": 3, "minute": 30}
